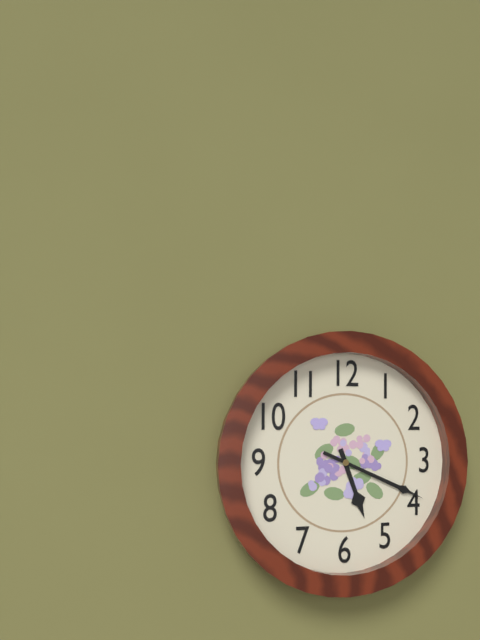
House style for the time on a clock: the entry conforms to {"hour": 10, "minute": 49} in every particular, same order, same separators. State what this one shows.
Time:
{"hour": 5, "minute": 19}
